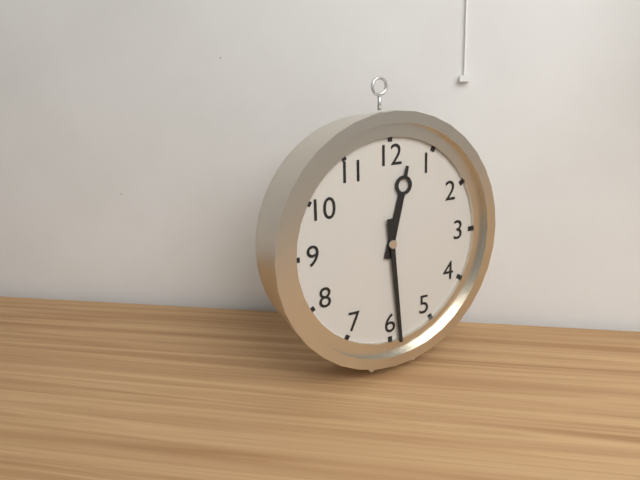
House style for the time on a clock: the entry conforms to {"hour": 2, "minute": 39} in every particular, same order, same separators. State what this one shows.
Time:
{"hour": 12, "minute": 29}
